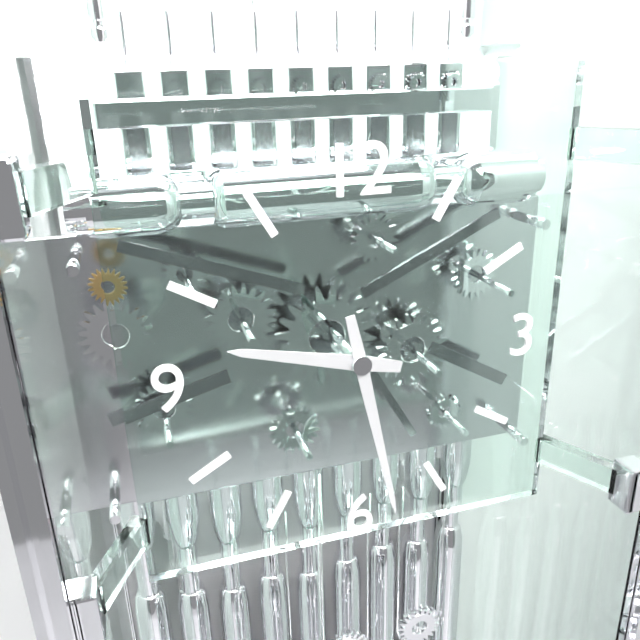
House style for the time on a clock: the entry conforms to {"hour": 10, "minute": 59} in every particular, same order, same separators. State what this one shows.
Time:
{"hour": 9, "minute": 28}
